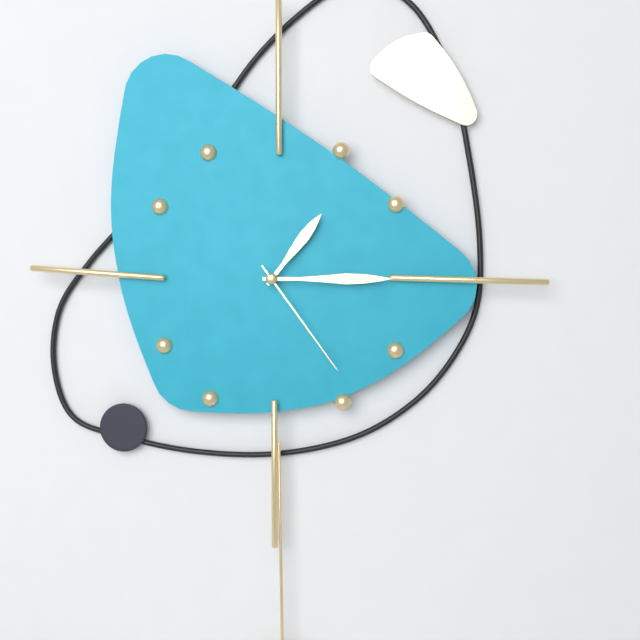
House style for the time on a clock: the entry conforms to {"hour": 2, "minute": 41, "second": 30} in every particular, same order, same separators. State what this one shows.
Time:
{"hour": 1, "minute": 15, "second": 24}
